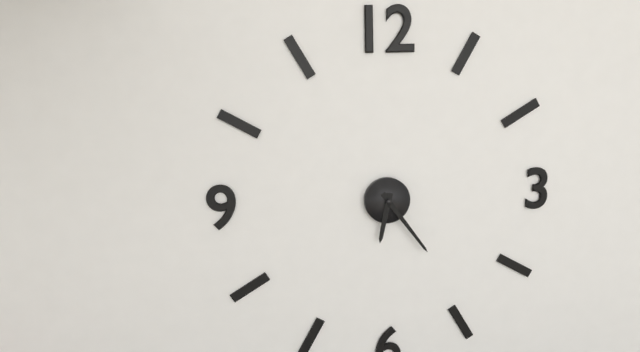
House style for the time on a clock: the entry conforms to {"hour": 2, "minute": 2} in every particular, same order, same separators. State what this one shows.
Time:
{"hour": 6, "minute": 24}
